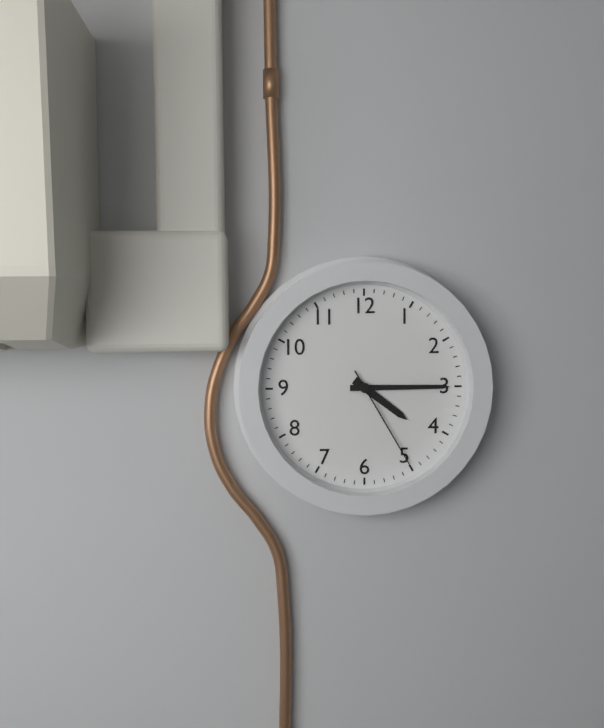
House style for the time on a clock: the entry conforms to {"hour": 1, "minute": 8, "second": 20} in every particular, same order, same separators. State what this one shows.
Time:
{"hour": 4, "minute": 15, "second": 25}
